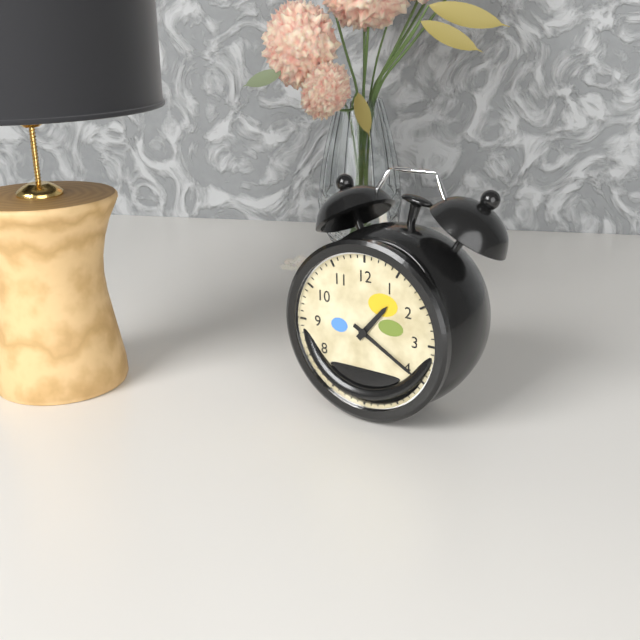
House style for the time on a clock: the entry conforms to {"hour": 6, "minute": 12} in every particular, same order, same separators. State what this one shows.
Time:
{"hour": 1, "minute": 20}
